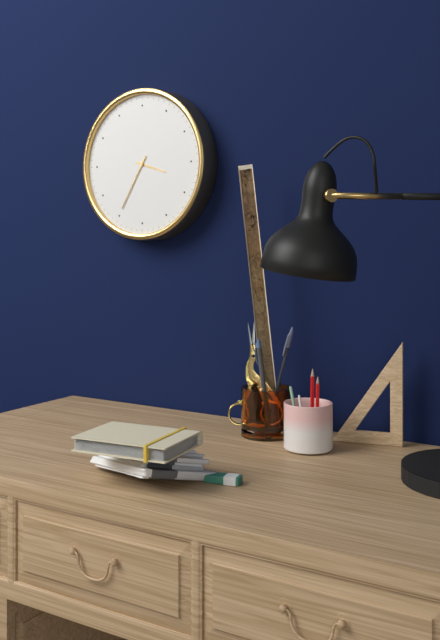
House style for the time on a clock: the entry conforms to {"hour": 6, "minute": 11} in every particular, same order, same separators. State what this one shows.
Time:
{"hour": 3, "minute": 35}
